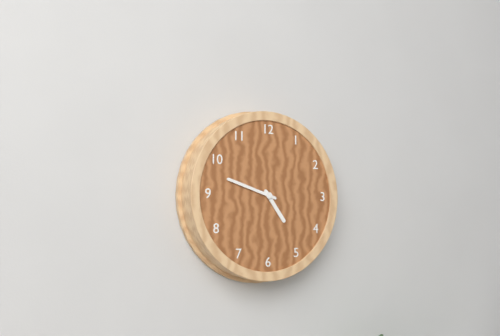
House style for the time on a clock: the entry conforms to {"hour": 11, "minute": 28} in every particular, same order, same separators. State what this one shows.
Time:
{"hour": 4, "minute": 48}
